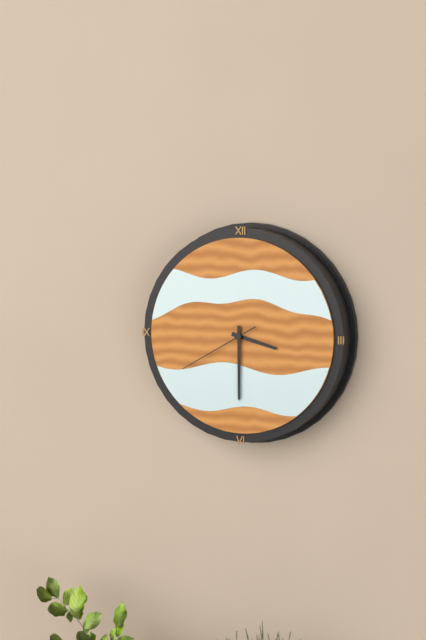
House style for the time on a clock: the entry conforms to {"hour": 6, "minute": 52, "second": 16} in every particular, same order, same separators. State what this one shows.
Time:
{"hour": 3, "minute": 30, "second": 40}
